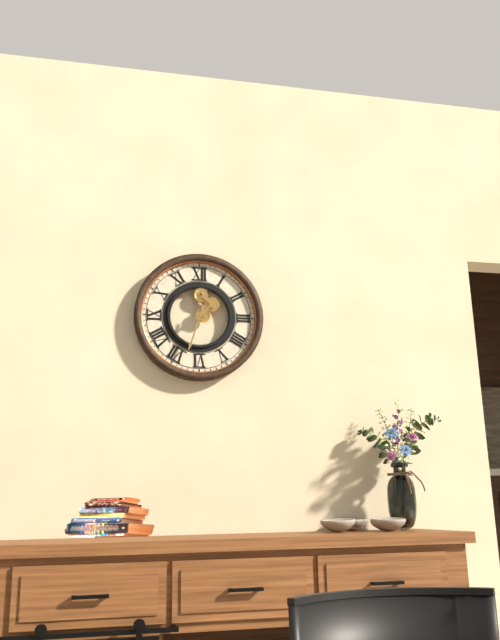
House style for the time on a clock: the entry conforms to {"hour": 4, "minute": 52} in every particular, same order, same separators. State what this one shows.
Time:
{"hour": 1, "minute": 33}
